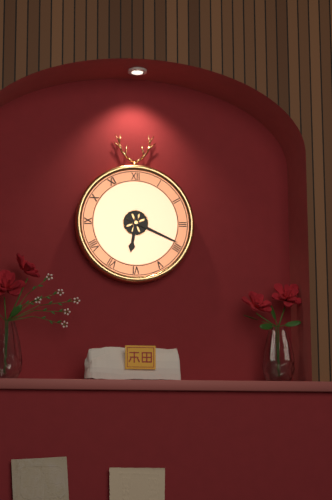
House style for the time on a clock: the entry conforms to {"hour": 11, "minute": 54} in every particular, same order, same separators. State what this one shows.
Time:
{"hour": 6, "minute": 19}
